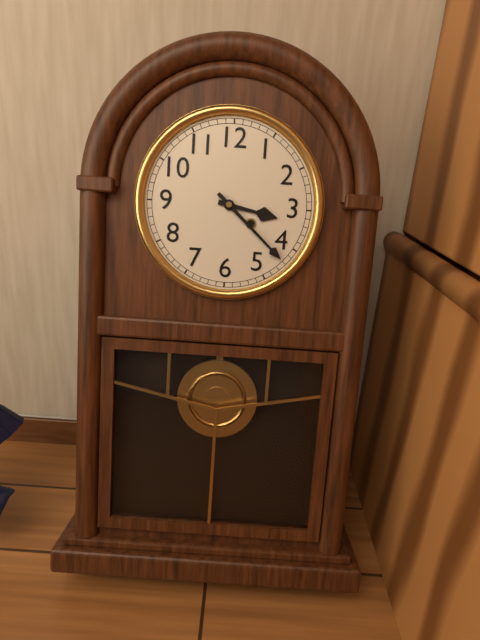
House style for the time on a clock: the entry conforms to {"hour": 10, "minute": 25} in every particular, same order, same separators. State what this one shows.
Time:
{"hour": 3, "minute": 22}
